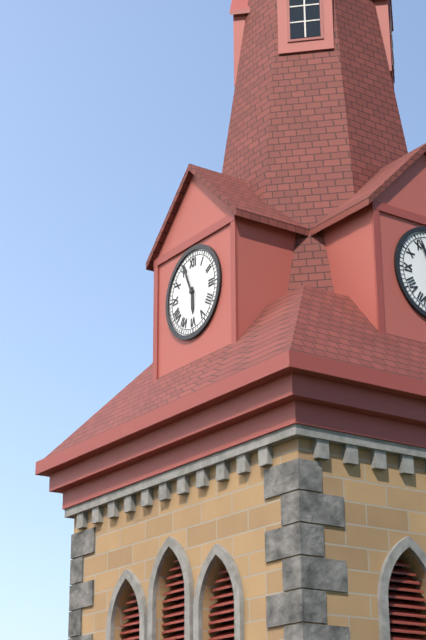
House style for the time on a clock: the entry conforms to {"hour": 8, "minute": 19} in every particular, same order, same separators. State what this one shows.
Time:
{"hour": 5, "minute": 56}
